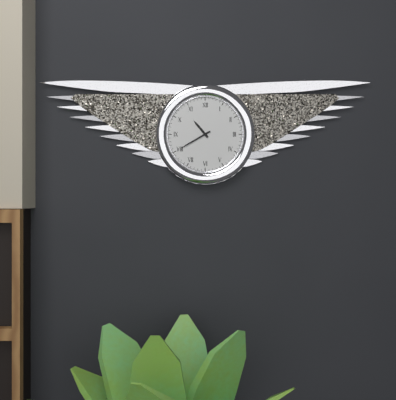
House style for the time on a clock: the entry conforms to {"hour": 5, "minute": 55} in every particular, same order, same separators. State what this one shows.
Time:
{"hour": 10, "minute": 40}
